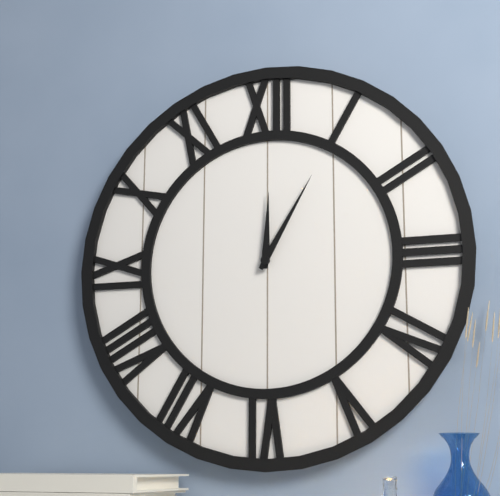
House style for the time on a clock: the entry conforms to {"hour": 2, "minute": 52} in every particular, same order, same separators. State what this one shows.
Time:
{"hour": 12, "minute": 5}
